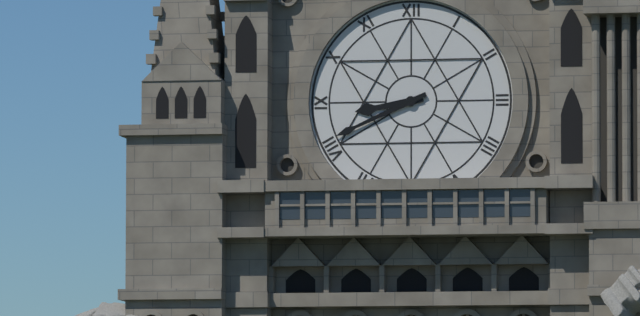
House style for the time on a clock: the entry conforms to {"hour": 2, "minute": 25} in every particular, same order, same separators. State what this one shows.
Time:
{"hour": 8, "minute": 41}
